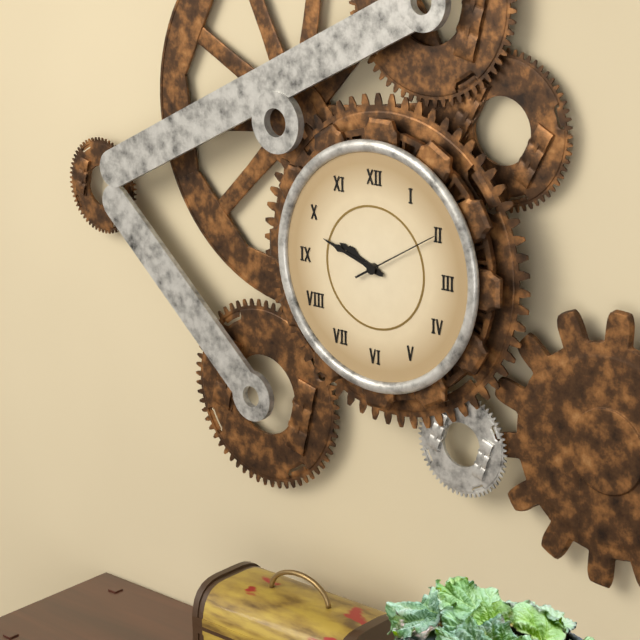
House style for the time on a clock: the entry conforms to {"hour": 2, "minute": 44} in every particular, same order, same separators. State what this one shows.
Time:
{"hour": 9, "minute": 48}
